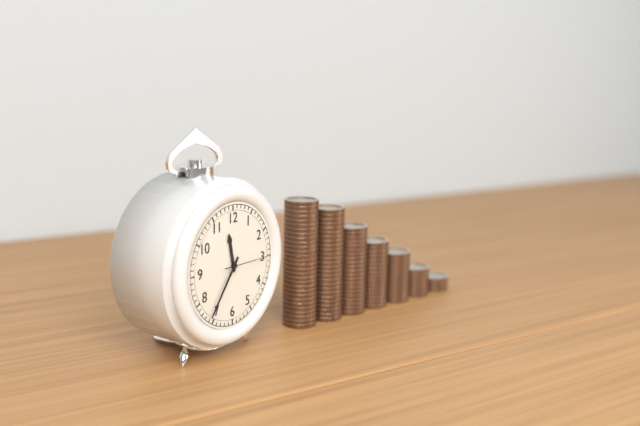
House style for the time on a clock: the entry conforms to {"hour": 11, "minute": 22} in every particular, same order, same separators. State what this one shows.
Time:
{"hour": 11, "minute": 36}
